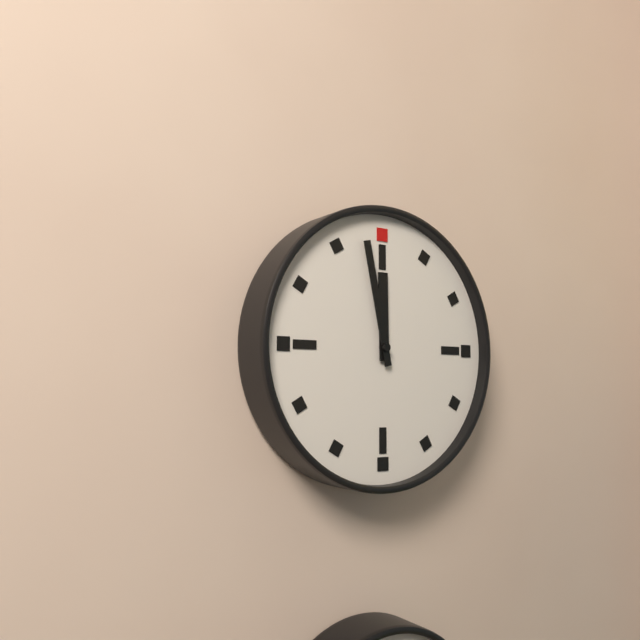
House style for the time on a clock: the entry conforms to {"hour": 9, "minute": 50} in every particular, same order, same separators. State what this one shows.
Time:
{"hour": 11, "minute": 58}
